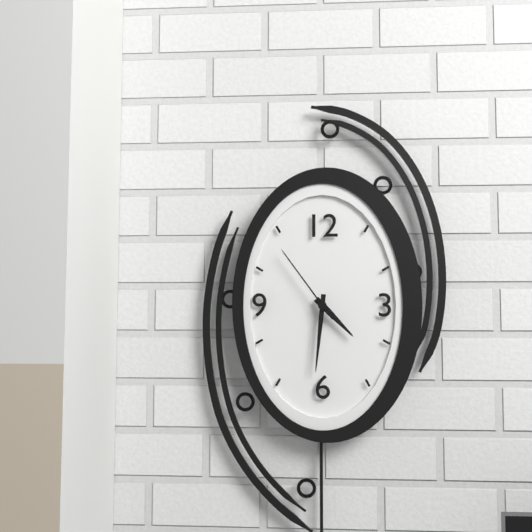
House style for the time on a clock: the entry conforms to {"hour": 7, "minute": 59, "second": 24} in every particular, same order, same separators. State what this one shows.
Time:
{"hour": 4, "minute": 31, "second": 54}
